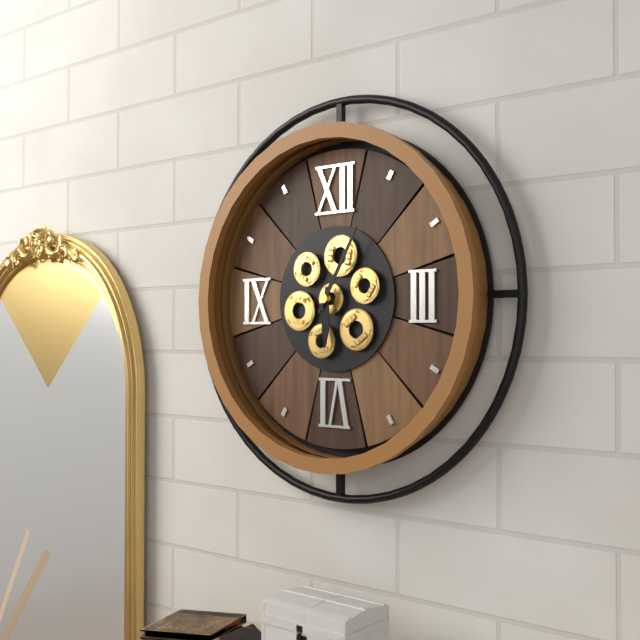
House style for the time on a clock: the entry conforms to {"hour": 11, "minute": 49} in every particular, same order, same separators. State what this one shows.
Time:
{"hour": 6, "minute": 5}
